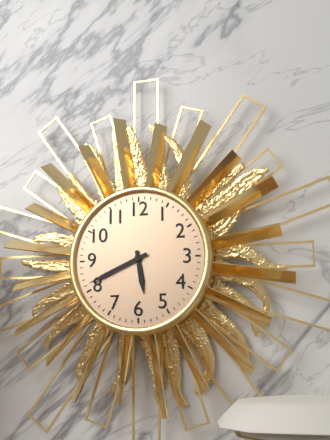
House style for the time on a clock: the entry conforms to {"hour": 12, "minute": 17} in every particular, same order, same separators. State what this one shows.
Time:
{"hour": 5, "minute": 41}
